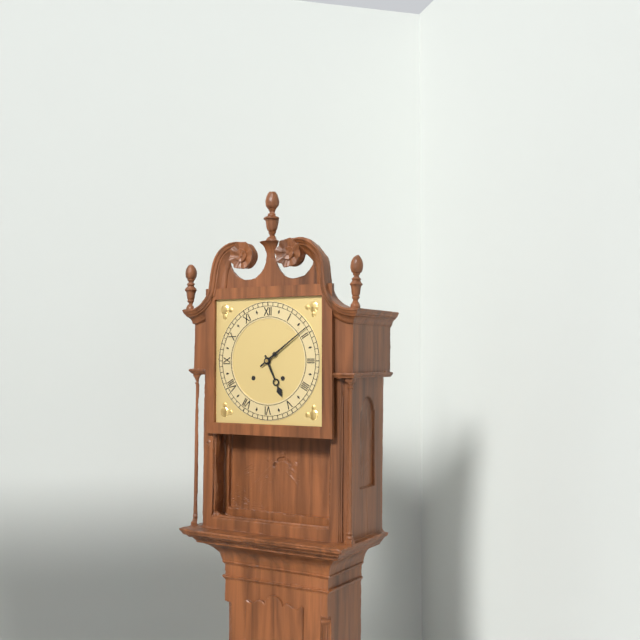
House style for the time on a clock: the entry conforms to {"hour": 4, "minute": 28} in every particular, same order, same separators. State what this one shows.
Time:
{"hour": 5, "minute": 9}
